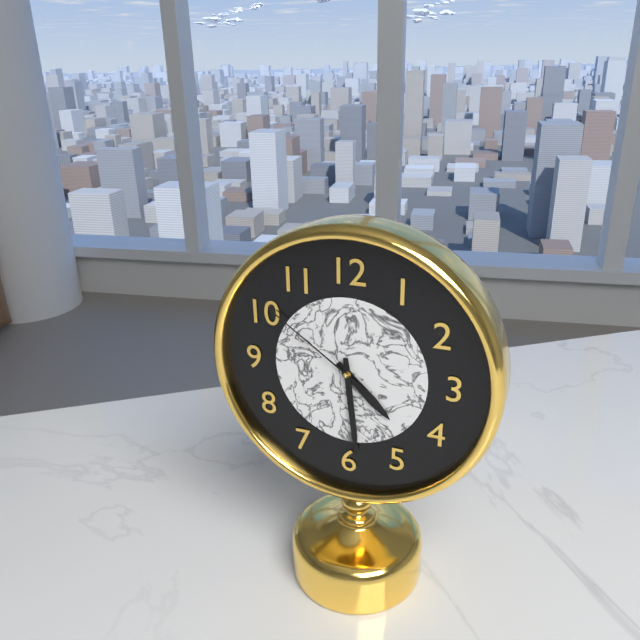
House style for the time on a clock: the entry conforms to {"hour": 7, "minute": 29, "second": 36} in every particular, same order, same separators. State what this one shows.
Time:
{"hour": 4, "minute": 29, "second": 51}
